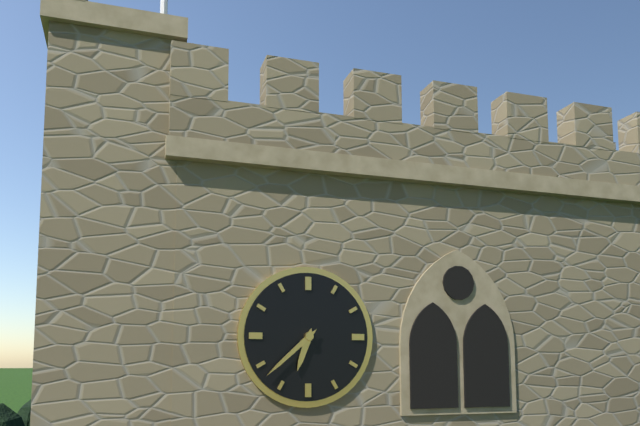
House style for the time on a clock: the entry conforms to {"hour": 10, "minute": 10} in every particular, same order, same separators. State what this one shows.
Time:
{"hour": 6, "minute": 38}
